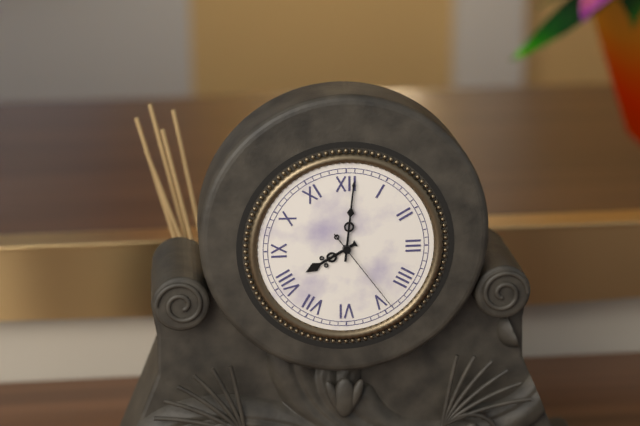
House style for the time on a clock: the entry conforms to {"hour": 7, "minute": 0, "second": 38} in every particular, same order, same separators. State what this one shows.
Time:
{"hour": 8, "minute": 1, "second": 24}
